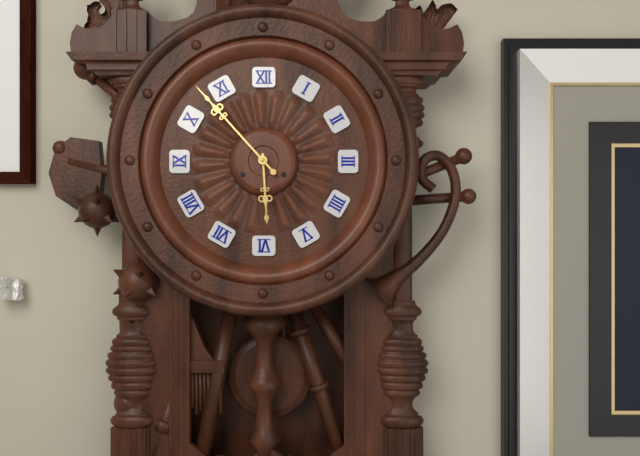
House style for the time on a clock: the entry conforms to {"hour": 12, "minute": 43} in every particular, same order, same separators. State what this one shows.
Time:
{"hour": 5, "minute": 53}
